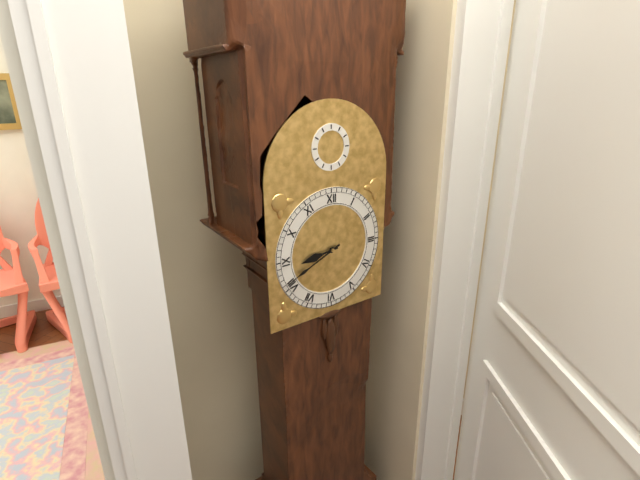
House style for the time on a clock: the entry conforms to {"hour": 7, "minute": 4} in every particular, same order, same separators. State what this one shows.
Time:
{"hour": 8, "minute": 41}
